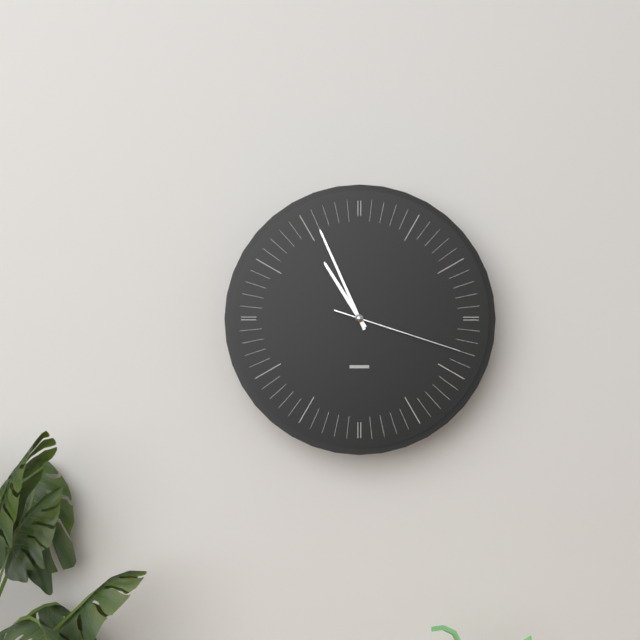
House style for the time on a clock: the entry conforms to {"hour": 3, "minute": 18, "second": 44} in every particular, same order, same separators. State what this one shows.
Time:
{"hour": 10, "minute": 56, "second": 18}
